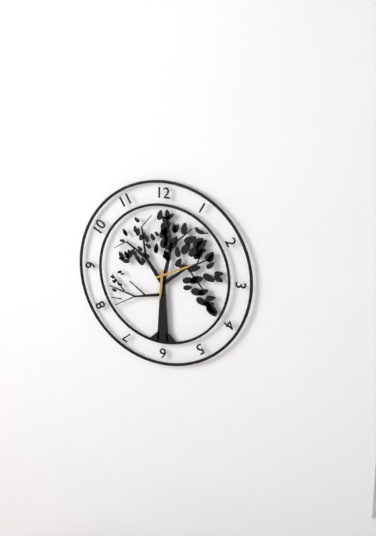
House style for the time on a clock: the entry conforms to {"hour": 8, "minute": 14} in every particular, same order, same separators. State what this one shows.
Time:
{"hour": 6, "minute": 11}
